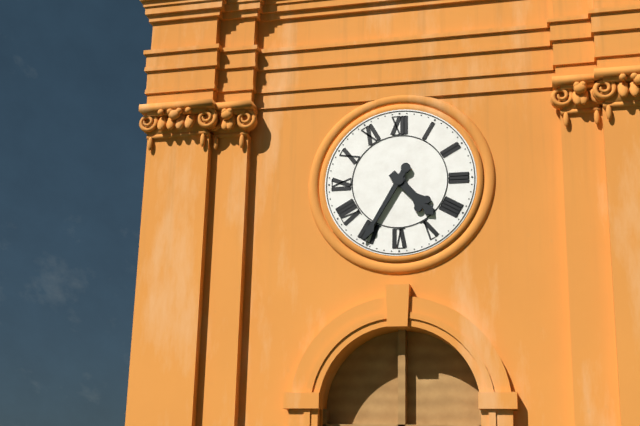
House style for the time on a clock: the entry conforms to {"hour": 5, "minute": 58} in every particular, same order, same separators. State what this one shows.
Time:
{"hour": 4, "minute": 35}
